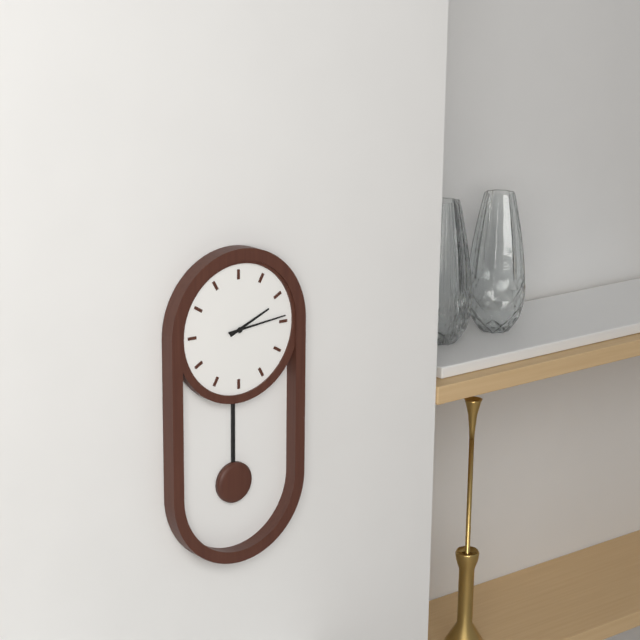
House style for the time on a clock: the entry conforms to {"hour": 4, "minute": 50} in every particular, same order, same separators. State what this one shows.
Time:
{"hour": 2, "minute": 14}
